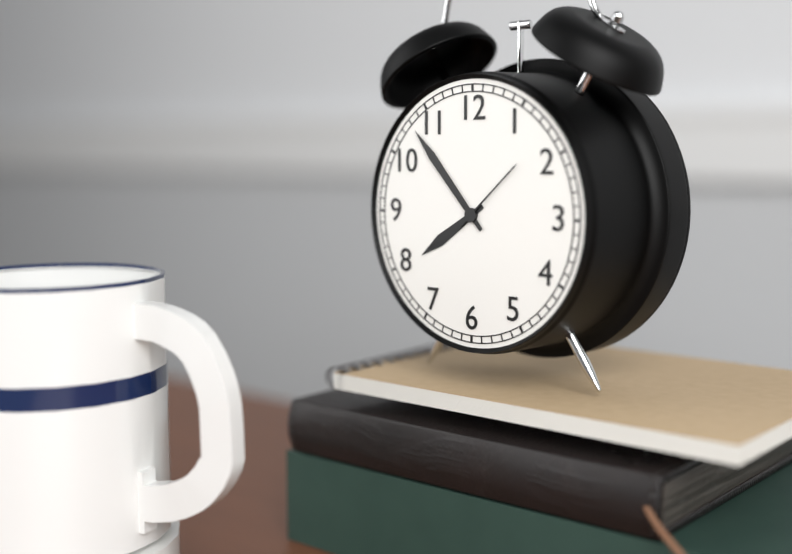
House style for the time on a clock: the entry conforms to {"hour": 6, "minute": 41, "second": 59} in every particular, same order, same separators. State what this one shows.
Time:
{"hour": 7, "minute": 53, "second": 8}
